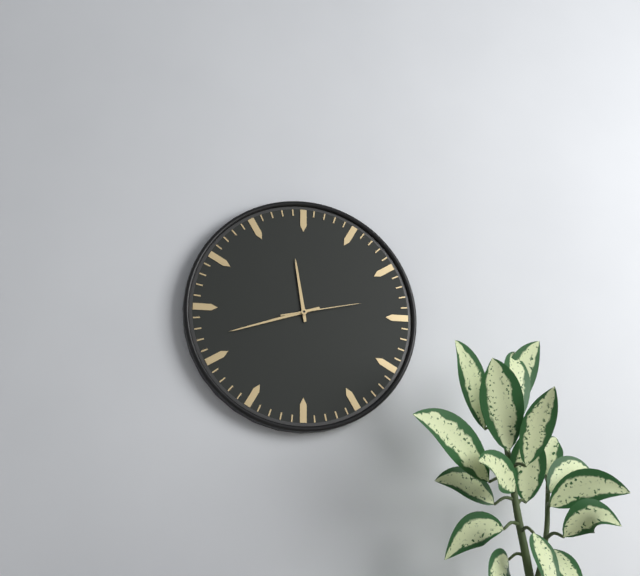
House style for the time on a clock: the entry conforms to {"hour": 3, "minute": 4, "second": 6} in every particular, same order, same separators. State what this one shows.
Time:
{"hour": 11, "minute": 42, "second": 13}
